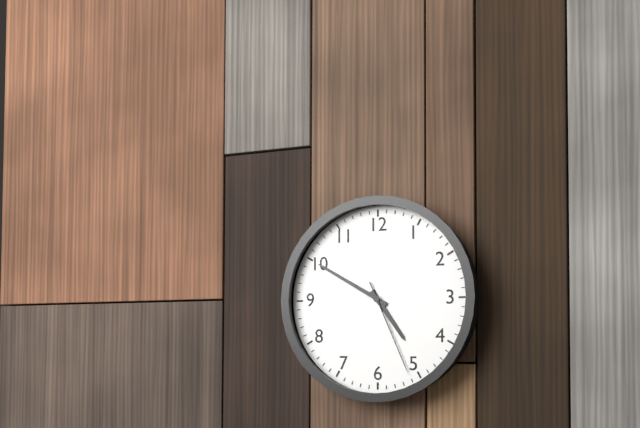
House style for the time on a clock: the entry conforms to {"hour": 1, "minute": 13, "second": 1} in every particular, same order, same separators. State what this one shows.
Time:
{"hour": 4, "minute": 50, "second": 26}
